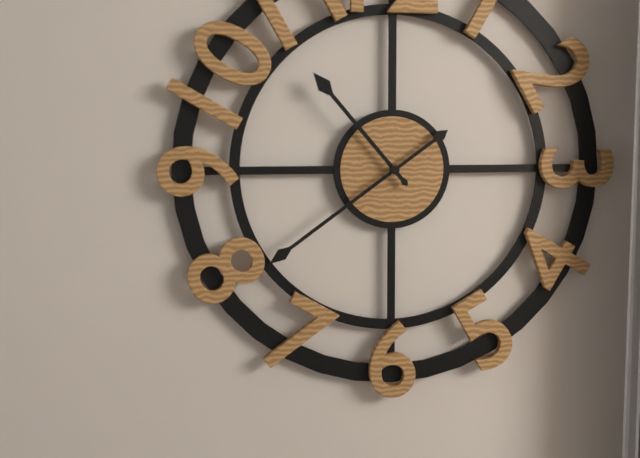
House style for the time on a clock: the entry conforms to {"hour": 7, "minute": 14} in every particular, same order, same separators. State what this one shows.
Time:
{"hour": 10, "minute": 39}
